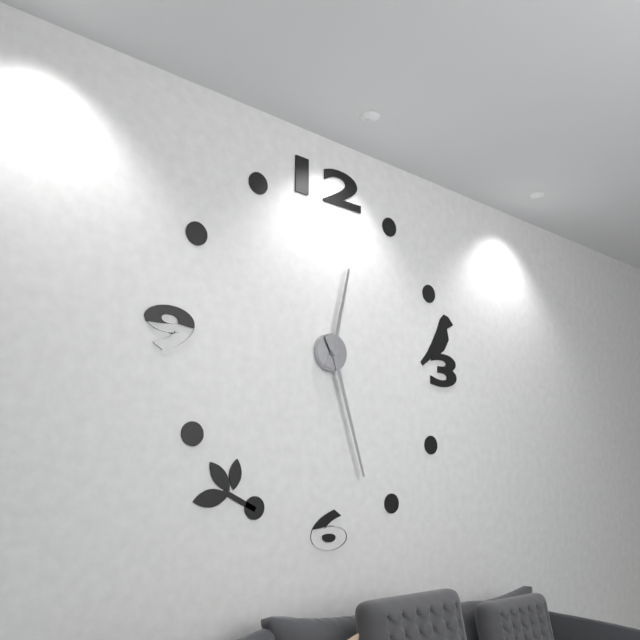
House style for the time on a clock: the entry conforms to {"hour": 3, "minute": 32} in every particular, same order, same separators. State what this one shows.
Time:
{"hour": 12, "minute": 27}
